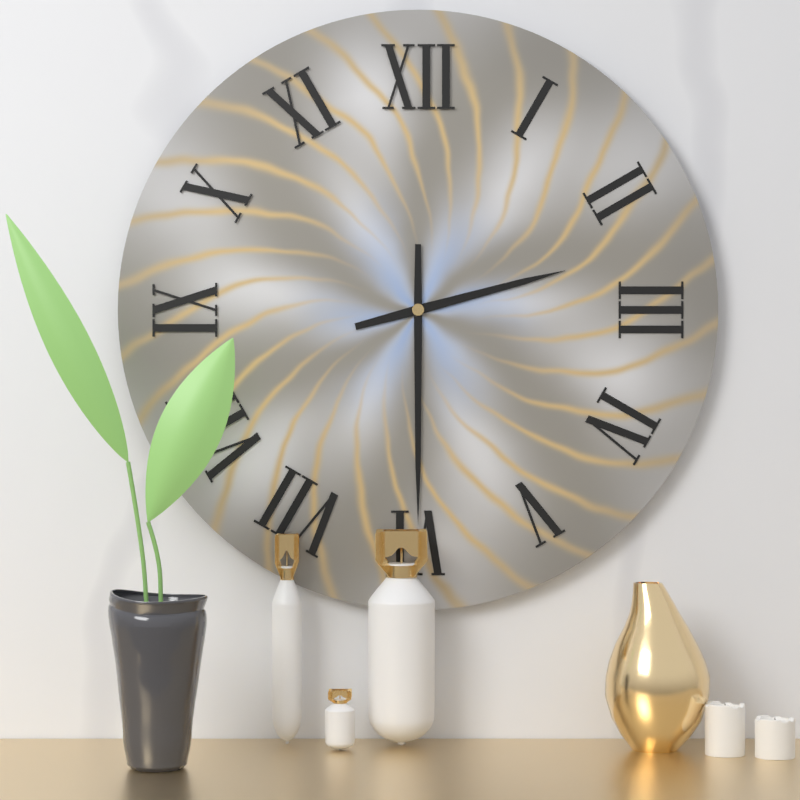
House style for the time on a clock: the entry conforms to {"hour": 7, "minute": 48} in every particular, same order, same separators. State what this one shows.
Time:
{"hour": 2, "minute": 30}
